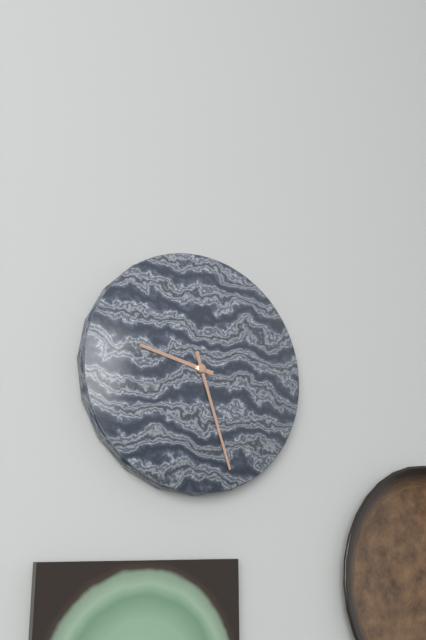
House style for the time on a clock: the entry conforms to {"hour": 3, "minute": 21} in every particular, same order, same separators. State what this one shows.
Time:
{"hour": 9, "minute": 27}
